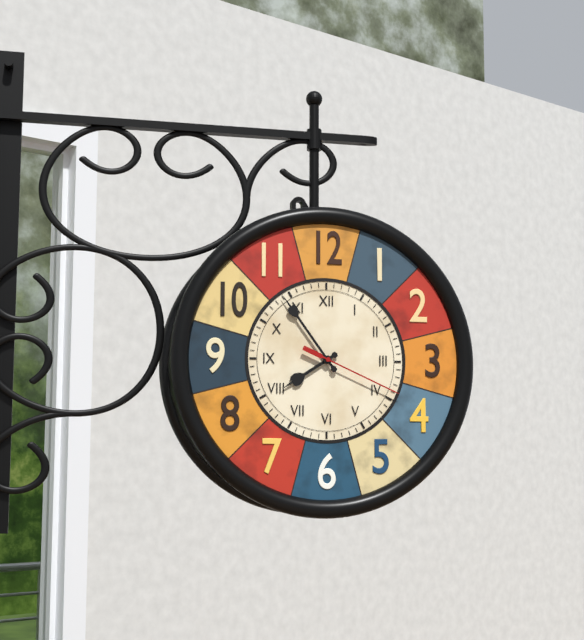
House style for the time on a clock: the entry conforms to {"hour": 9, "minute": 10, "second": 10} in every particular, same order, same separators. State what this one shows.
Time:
{"hour": 7, "minute": 54, "second": 19}
